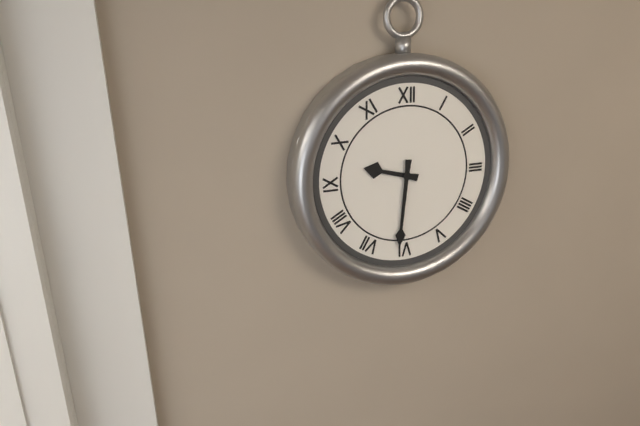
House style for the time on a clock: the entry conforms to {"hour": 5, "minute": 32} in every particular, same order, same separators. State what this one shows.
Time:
{"hour": 9, "minute": 31}
